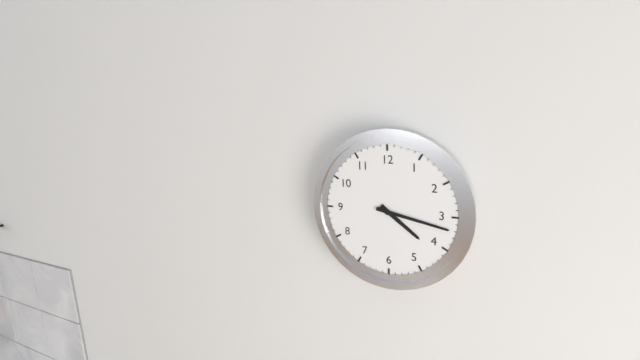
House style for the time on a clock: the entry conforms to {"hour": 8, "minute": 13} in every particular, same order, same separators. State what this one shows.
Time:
{"hour": 4, "minute": 17}
